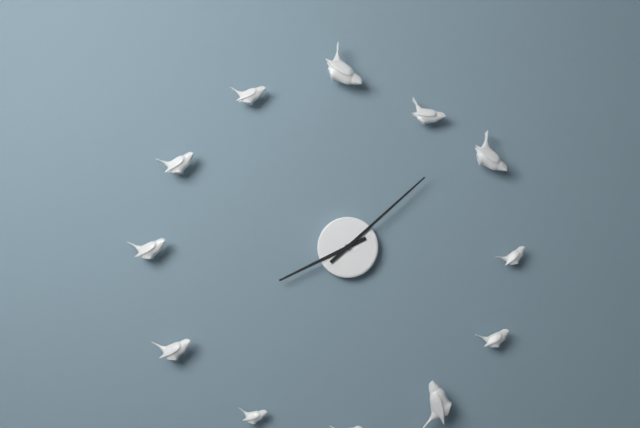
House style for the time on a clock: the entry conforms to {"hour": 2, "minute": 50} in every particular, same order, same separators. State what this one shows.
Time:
{"hour": 8, "minute": 8}
